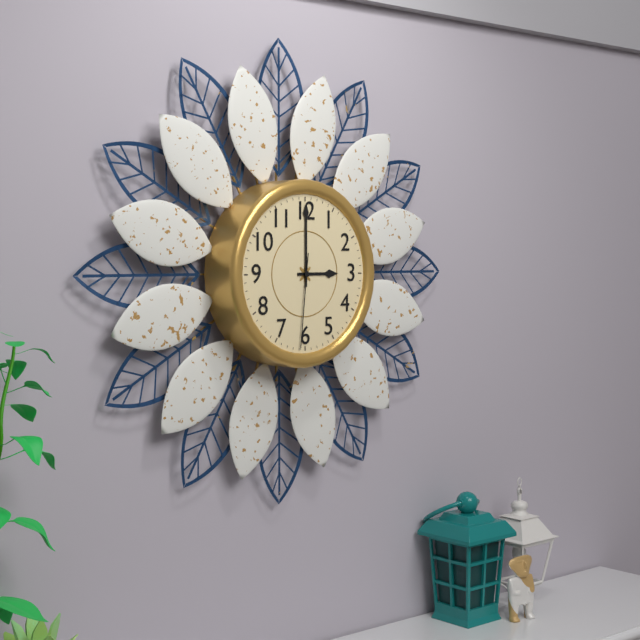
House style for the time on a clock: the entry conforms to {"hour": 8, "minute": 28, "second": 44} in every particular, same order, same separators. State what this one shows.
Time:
{"hour": 3, "minute": 0, "second": 31}
